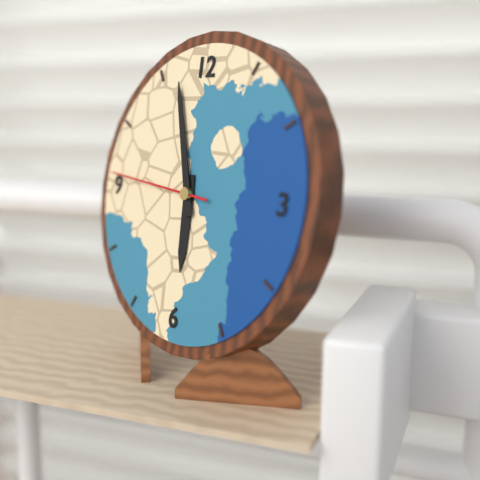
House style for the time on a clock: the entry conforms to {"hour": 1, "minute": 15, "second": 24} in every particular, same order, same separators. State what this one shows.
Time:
{"hour": 5, "minute": 57, "second": 46}
